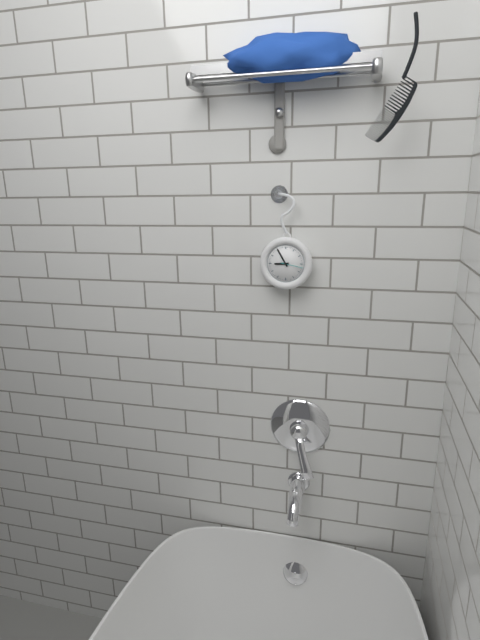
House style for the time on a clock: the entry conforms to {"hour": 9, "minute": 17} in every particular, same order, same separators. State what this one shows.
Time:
{"hour": 8, "minute": 55}
